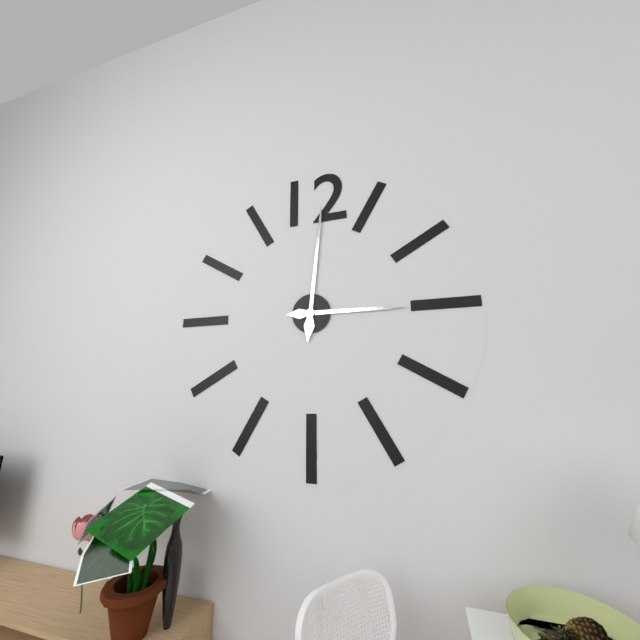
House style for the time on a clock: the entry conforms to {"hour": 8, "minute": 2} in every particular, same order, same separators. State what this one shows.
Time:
{"hour": 3, "minute": 1}
